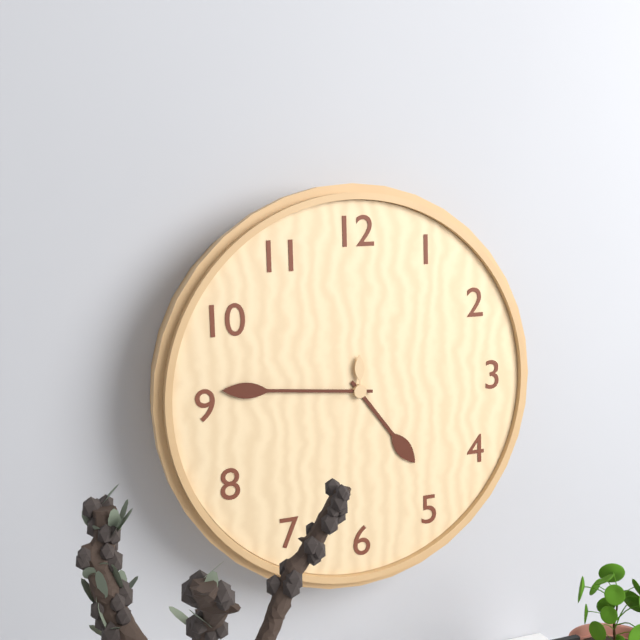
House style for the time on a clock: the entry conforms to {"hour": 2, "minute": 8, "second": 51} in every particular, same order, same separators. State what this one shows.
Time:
{"hour": 4, "minute": 46, "second": 0}
